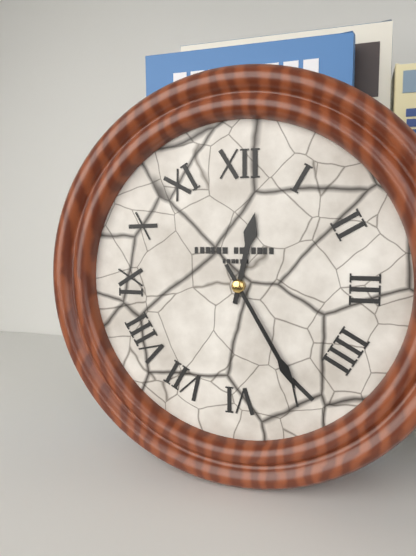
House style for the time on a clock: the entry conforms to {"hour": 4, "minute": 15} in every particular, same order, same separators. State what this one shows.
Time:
{"hour": 12, "minute": 25}
